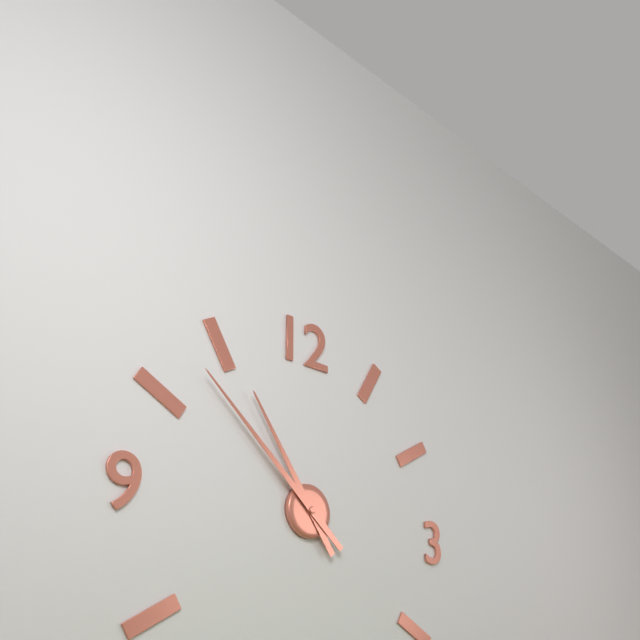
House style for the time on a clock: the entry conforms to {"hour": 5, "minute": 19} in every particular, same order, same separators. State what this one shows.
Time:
{"hour": 10, "minute": 52}
